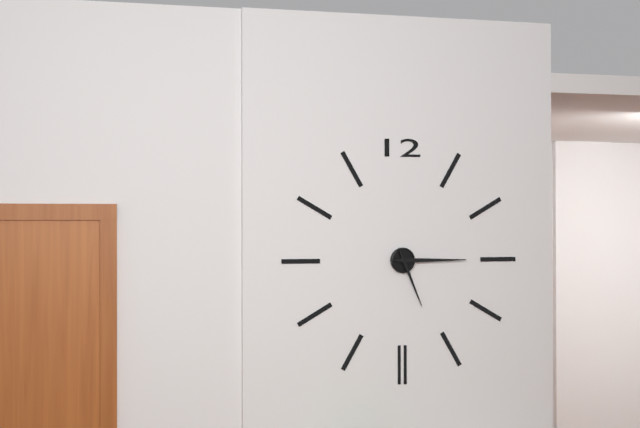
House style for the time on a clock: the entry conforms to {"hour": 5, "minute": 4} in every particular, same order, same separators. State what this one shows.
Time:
{"hour": 5, "minute": 15}
